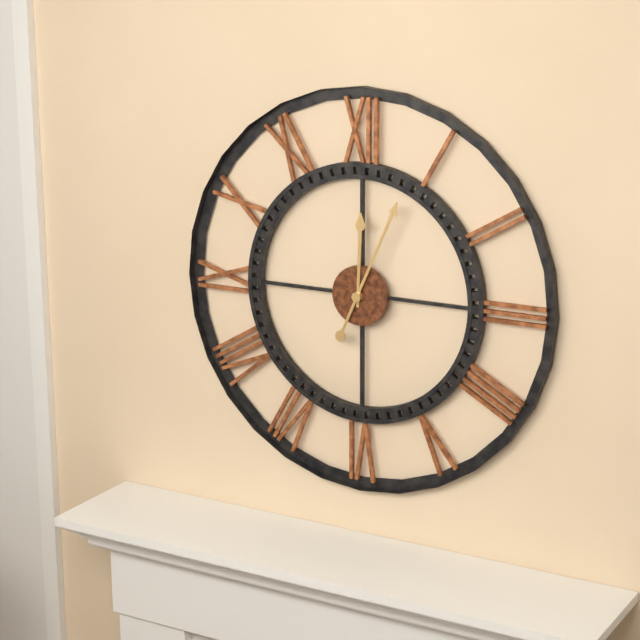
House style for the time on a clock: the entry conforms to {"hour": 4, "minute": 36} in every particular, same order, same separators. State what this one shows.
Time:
{"hour": 12, "minute": 4}
